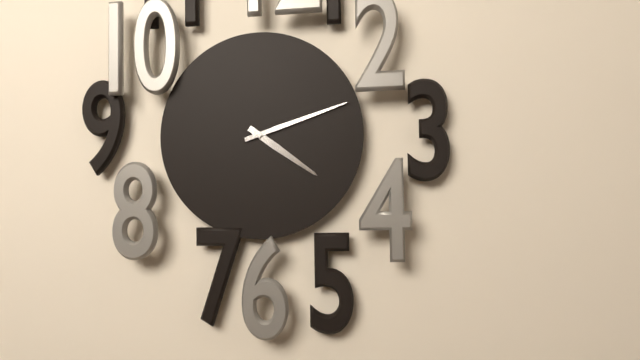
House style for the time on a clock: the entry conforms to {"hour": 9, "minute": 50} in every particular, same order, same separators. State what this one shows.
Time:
{"hour": 4, "minute": 12}
